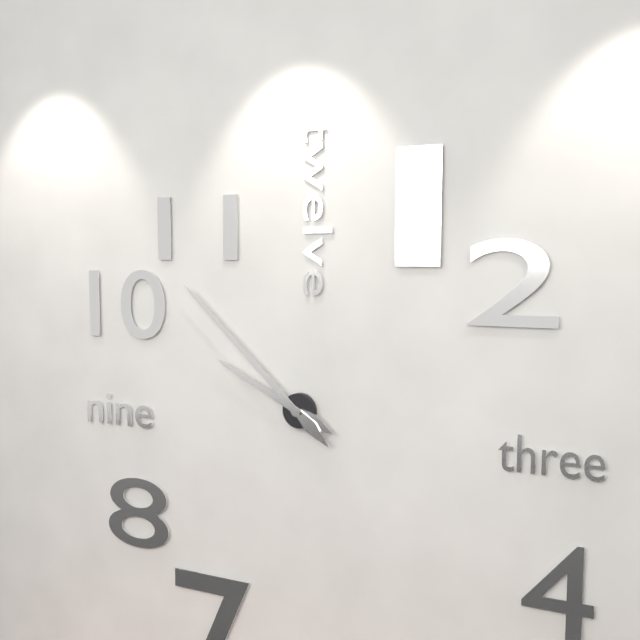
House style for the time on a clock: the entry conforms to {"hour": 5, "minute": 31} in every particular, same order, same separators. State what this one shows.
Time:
{"hour": 9, "minute": 52}
